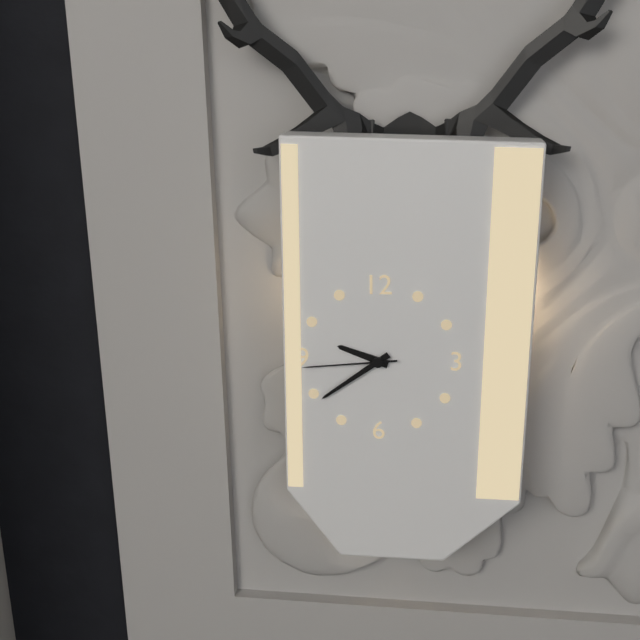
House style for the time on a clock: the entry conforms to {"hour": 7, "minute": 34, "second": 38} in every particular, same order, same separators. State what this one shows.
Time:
{"hour": 9, "minute": 39, "second": 44}
